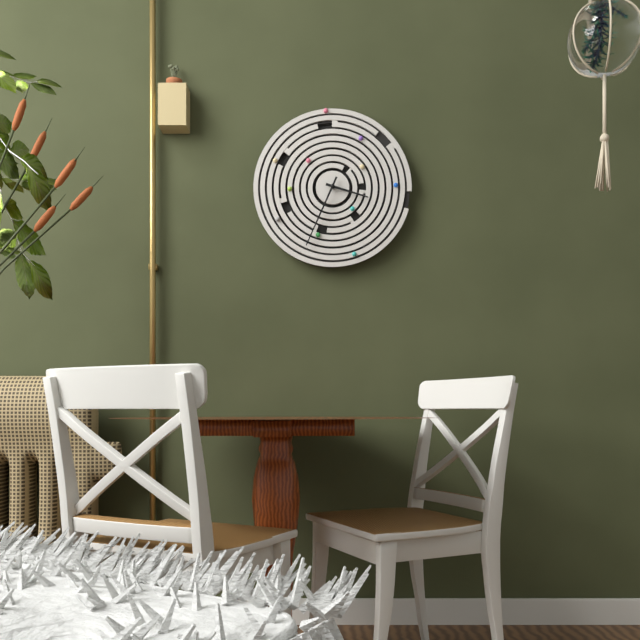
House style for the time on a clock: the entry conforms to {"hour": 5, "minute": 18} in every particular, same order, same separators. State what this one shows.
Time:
{"hour": 3, "minute": 34}
